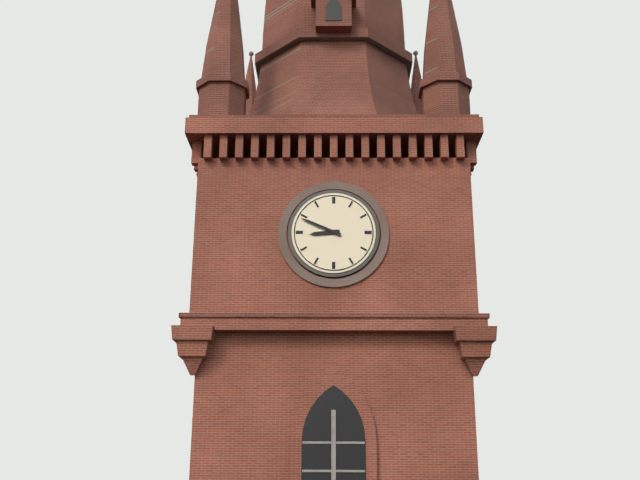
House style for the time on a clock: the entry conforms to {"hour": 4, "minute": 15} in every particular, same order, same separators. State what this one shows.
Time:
{"hour": 8, "minute": 49}
